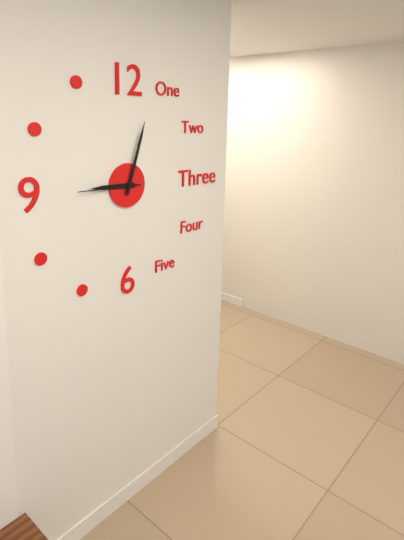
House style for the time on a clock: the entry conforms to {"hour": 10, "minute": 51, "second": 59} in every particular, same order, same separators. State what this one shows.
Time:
{"hour": 9, "minute": 3, "second": 45}
